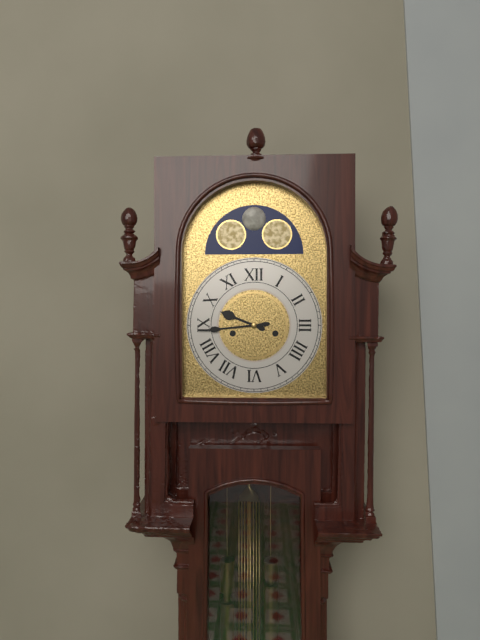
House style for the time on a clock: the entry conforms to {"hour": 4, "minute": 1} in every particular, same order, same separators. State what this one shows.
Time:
{"hour": 9, "minute": 44}
